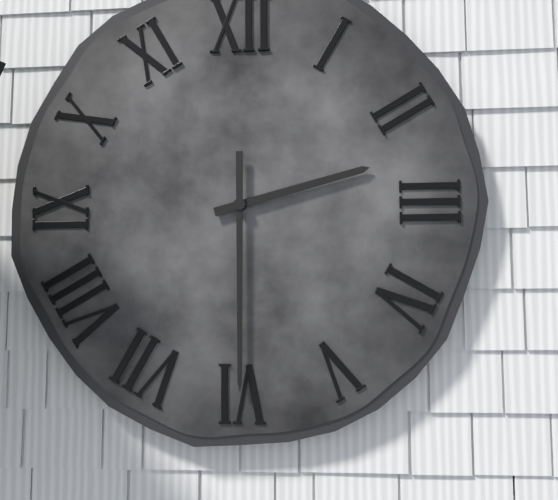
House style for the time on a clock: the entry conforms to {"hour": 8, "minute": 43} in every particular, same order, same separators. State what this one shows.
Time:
{"hour": 2, "minute": 30}
